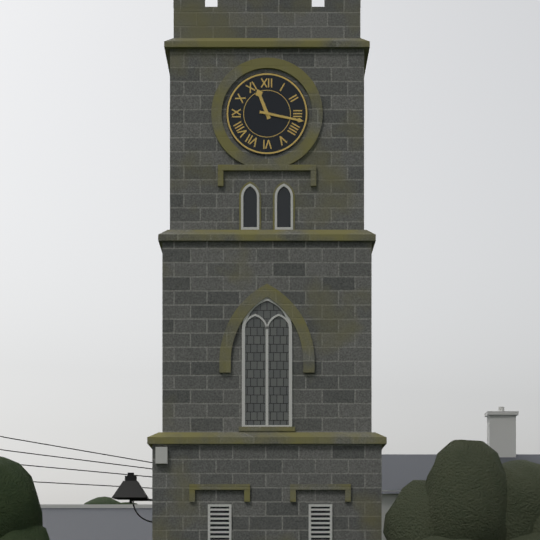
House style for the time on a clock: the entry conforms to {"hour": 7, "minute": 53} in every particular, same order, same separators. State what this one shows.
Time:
{"hour": 11, "minute": 17}
